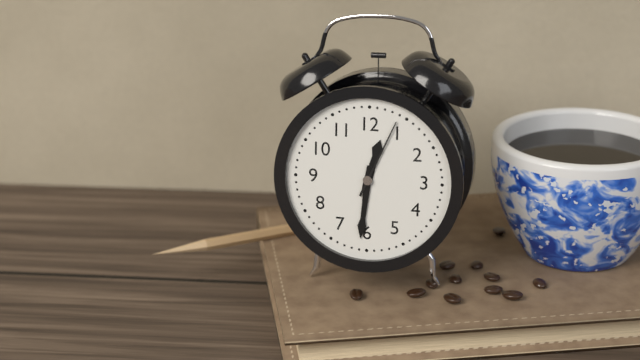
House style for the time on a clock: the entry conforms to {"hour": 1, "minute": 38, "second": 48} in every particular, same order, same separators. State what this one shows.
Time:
{"hour": 12, "minute": 31, "second": 4}
